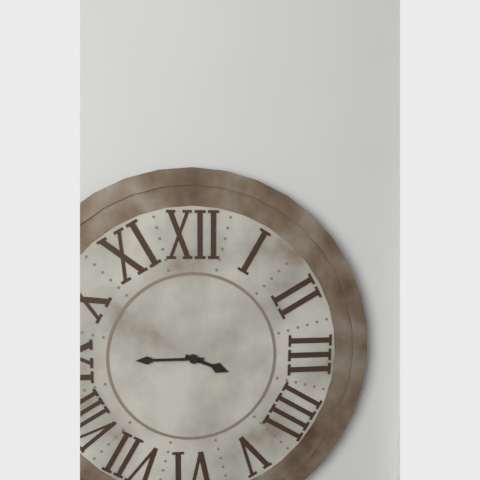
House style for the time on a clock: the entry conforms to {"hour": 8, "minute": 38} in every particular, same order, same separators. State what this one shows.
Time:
{"hour": 3, "minute": 45}
